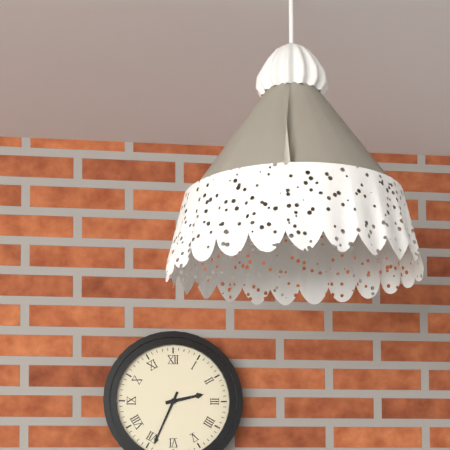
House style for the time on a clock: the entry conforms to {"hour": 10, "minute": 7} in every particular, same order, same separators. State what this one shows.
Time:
{"hour": 2, "minute": 34}
